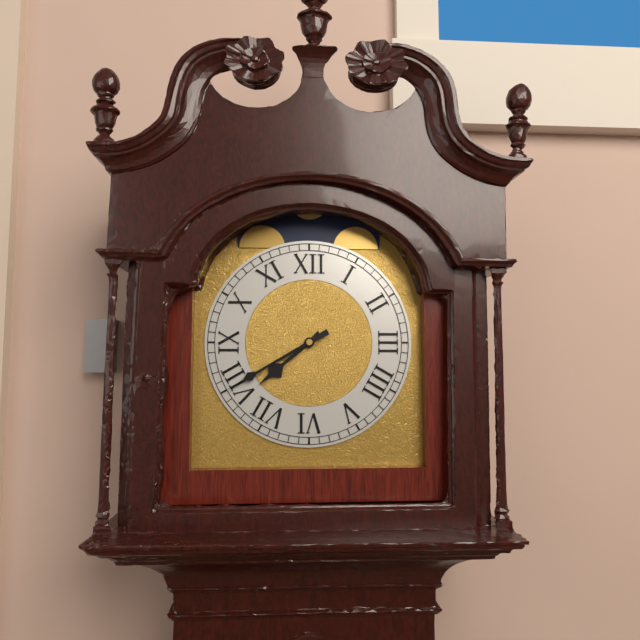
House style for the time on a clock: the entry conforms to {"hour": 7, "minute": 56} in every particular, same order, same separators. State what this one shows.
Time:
{"hour": 7, "minute": 40}
